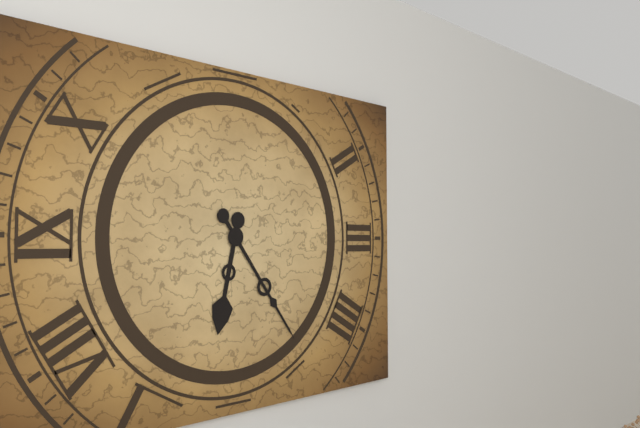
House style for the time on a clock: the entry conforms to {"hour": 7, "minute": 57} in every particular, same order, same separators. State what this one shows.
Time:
{"hour": 6, "minute": 24}
